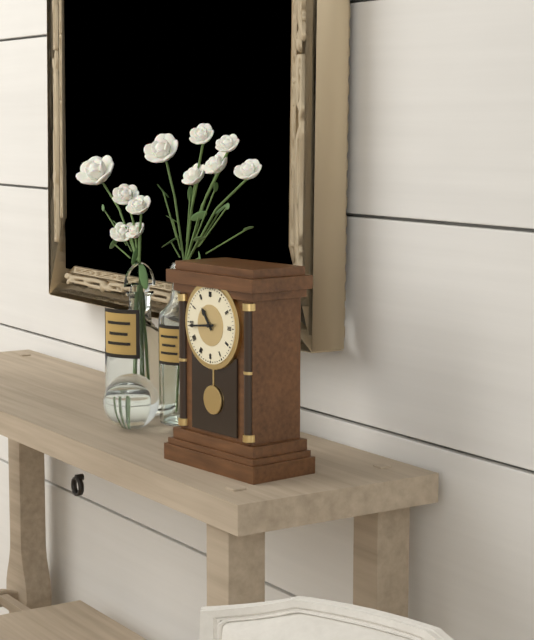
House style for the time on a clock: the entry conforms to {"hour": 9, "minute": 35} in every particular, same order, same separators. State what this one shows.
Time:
{"hour": 10, "minute": 44}
